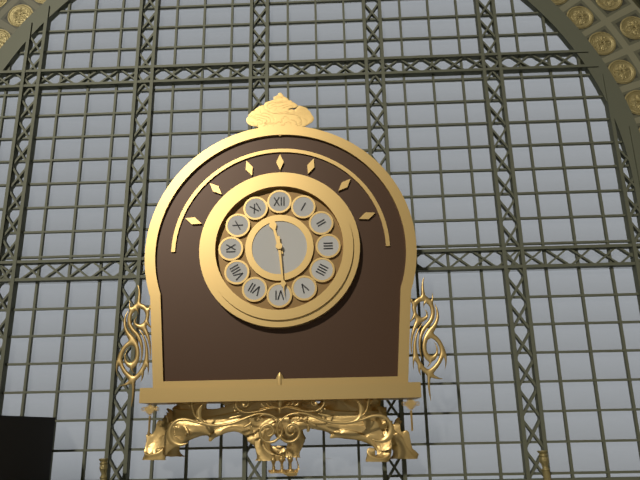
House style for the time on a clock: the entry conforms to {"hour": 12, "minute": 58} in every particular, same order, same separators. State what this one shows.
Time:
{"hour": 11, "minute": 29}
